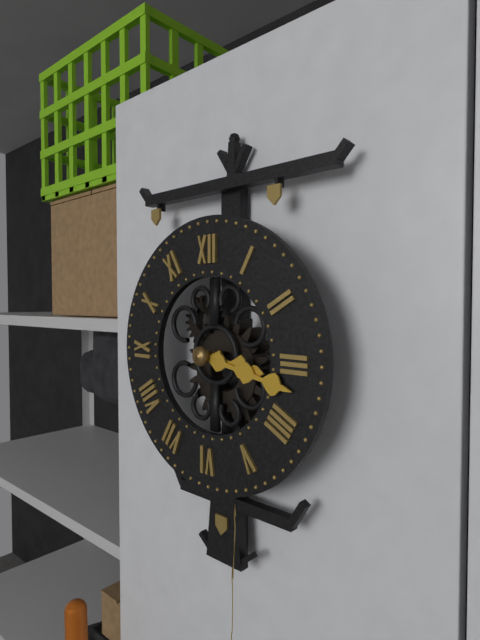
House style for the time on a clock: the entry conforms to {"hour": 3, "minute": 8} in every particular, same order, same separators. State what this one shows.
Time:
{"hour": 3, "minute": 17}
